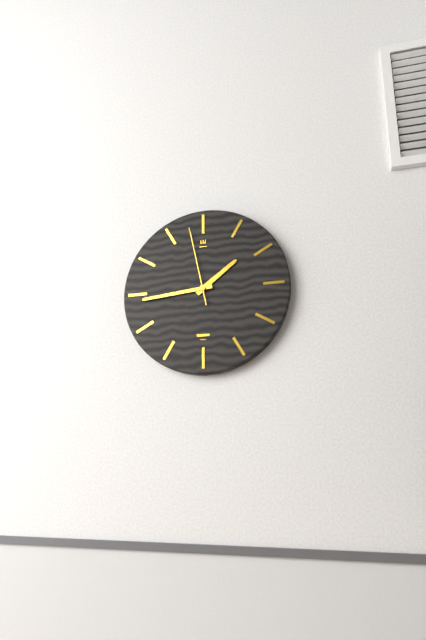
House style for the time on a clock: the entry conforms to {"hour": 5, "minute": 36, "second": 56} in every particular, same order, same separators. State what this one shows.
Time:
{"hour": 1, "minute": 44, "second": 58}
